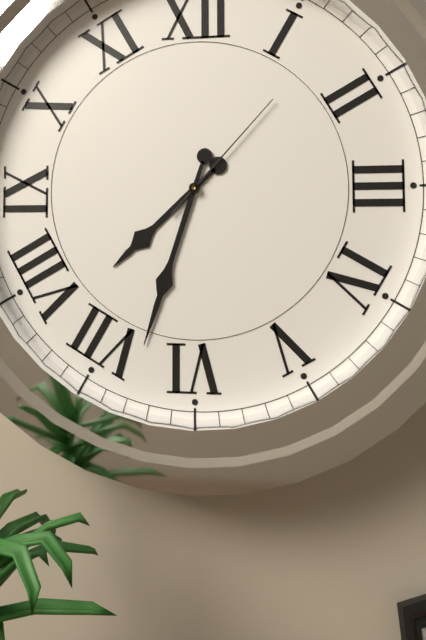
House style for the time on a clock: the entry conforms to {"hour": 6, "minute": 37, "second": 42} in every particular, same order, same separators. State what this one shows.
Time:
{"hour": 7, "minute": 33, "second": 7}
